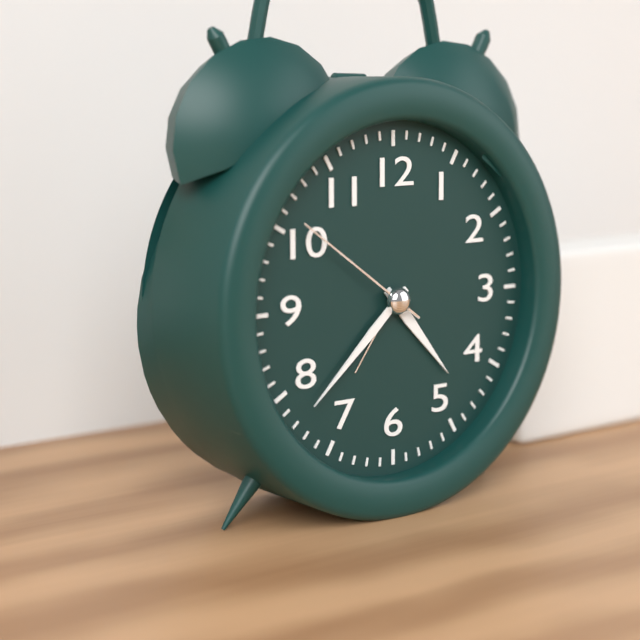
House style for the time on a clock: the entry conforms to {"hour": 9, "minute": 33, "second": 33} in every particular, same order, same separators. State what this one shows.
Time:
{"hour": 4, "minute": 38, "second": 51}
